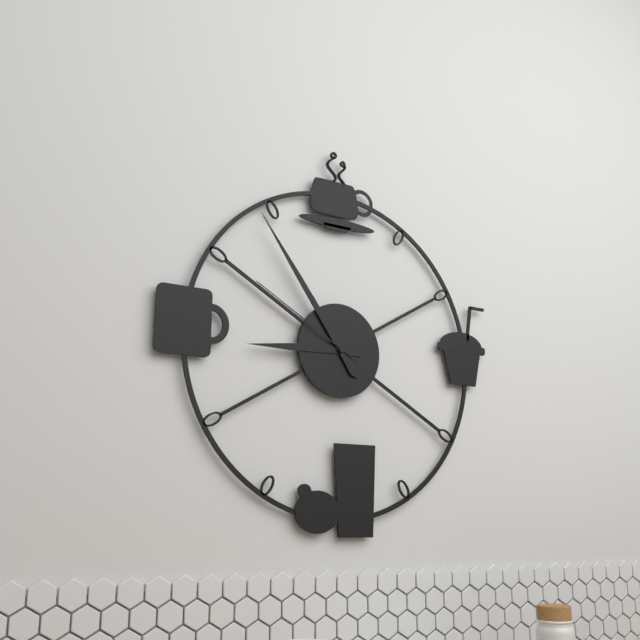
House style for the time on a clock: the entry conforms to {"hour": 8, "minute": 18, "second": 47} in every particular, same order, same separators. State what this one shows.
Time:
{"hour": 8, "minute": 54, "second": 50}
